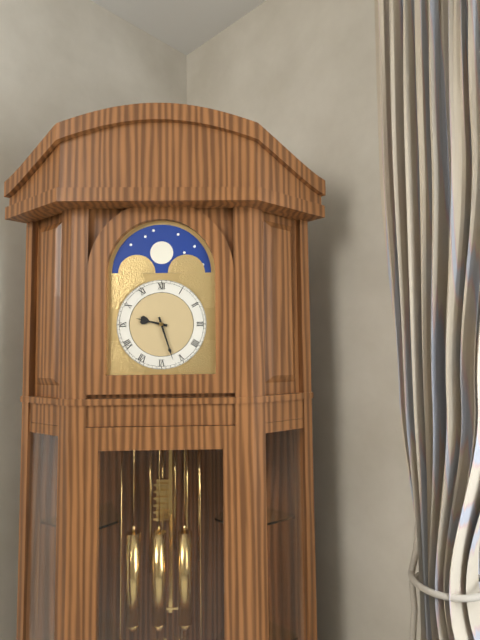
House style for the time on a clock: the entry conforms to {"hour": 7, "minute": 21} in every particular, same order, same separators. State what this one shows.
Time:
{"hour": 9, "minute": 27}
